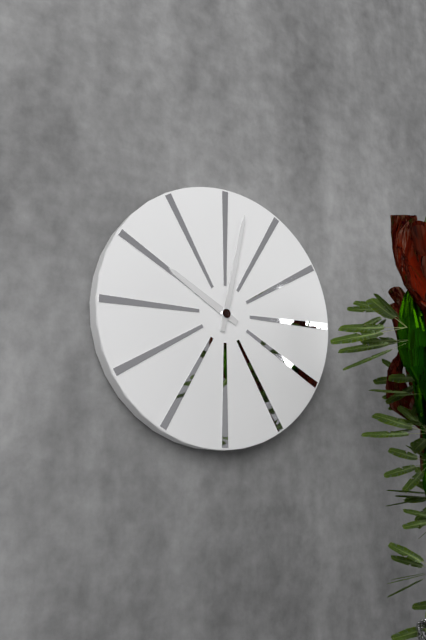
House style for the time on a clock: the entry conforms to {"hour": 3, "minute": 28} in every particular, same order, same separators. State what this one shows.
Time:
{"hour": 10, "minute": 2}
